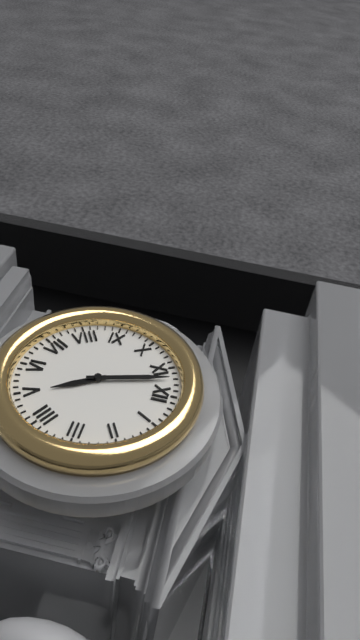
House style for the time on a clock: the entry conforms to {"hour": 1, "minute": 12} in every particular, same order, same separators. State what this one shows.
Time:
{"hour": 4, "minute": 57}
